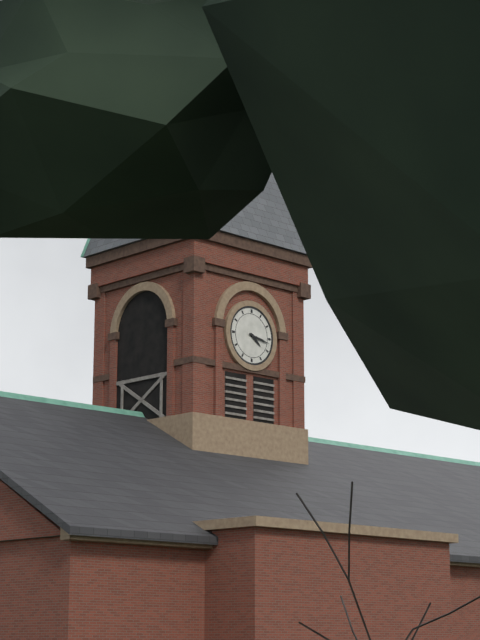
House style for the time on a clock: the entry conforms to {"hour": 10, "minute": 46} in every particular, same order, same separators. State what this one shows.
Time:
{"hour": 4, "minute": 17}
